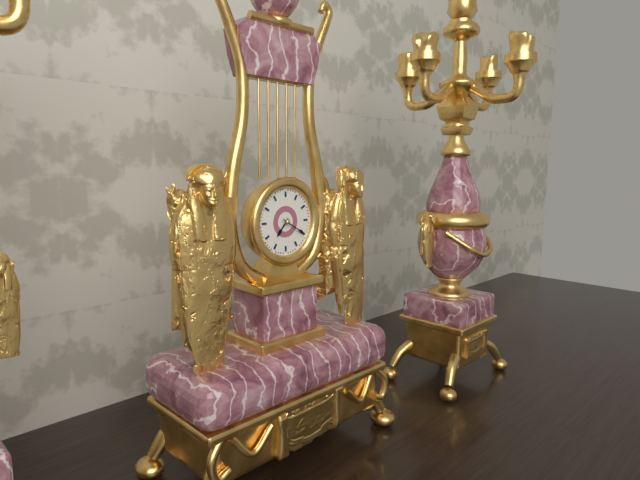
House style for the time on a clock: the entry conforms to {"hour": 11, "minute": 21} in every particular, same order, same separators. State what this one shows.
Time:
{"hour": 7, "minute": 20}
